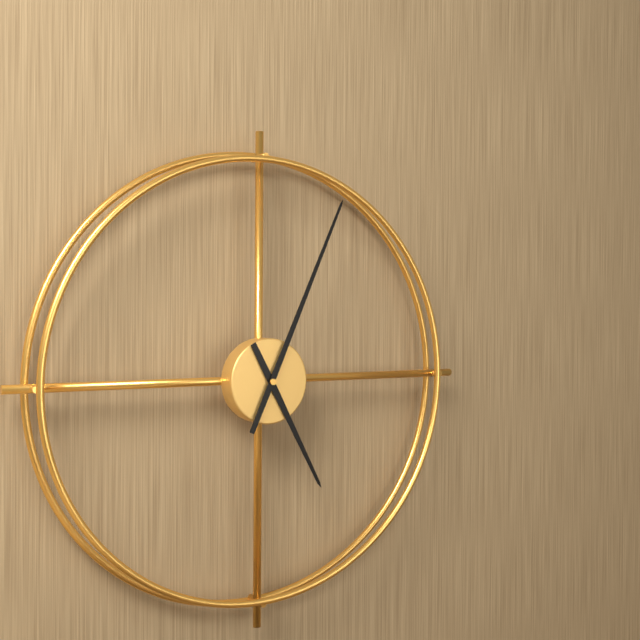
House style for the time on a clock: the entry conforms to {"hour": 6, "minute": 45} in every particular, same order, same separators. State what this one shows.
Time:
{"hour": 5, "minute": 4}
